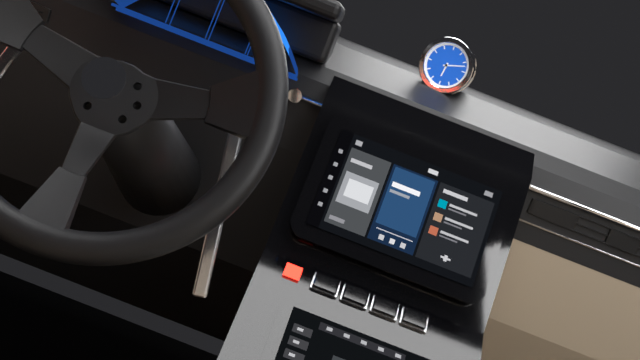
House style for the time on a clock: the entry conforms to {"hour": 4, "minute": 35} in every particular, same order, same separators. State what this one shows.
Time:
{"hour": 6, "minute": 12}
